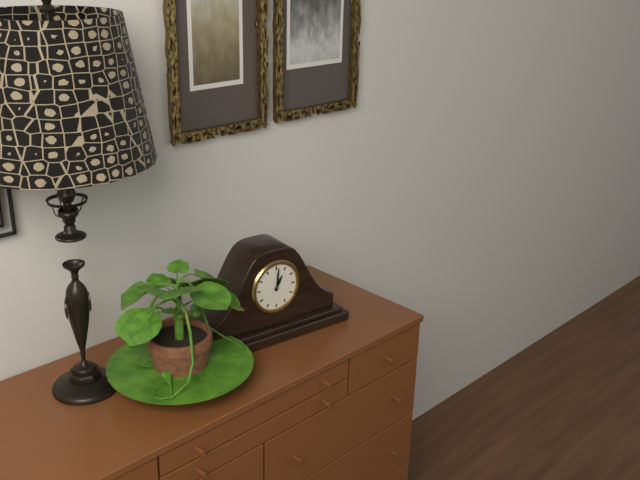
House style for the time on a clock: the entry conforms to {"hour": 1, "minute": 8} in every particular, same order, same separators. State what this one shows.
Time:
{"hour": 1, "minute": 1}
